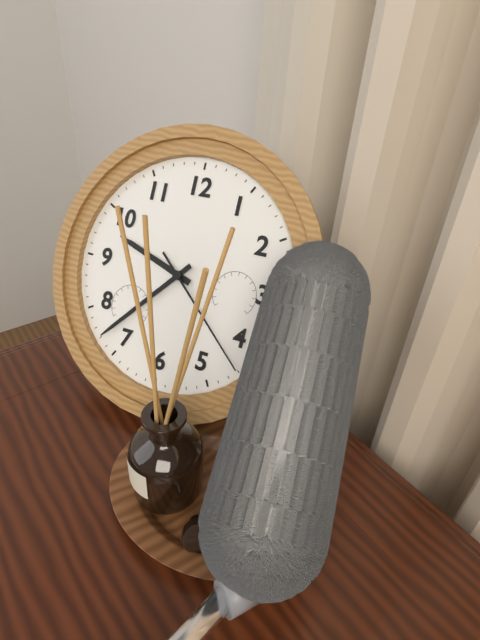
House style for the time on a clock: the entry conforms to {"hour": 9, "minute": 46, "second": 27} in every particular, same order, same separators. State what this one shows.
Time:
{"hour": 9, "minute": 37, "second": 22}
